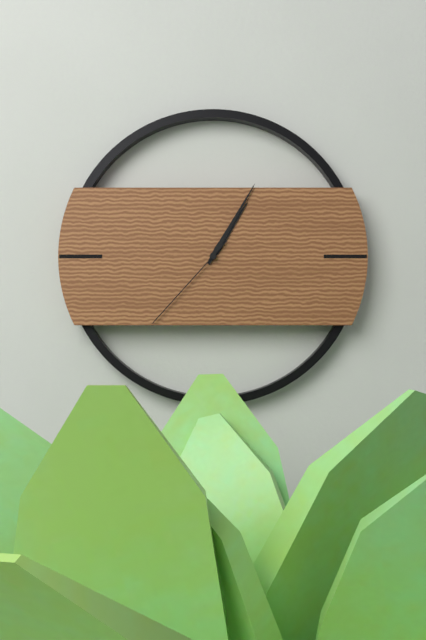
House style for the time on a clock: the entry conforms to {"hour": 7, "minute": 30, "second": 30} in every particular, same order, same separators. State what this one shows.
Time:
{"hour": 1, "minute": 5, "second": 37}
